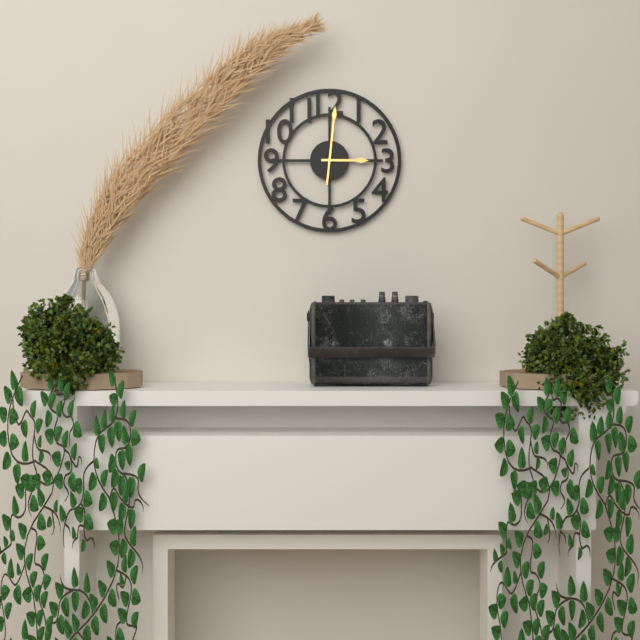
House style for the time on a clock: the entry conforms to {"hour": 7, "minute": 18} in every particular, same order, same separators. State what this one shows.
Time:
{"hour": 3, "minute": 1}
